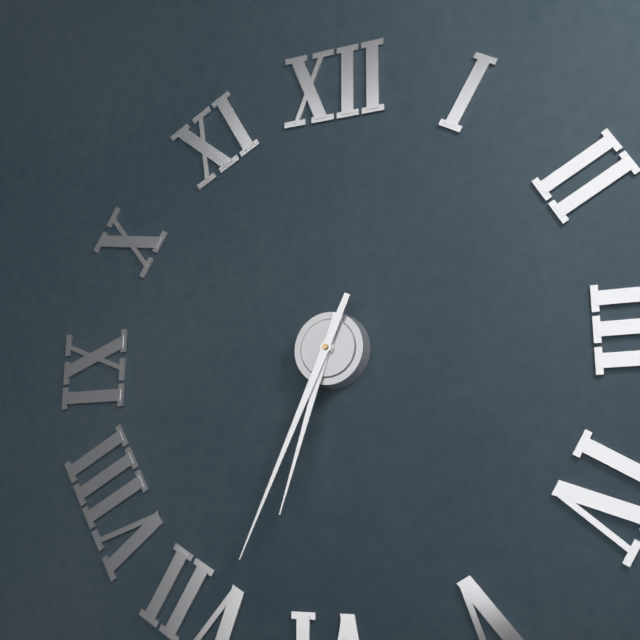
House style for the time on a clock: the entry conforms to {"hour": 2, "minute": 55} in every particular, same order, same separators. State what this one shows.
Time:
{"hour": 6, "minute": 34}
